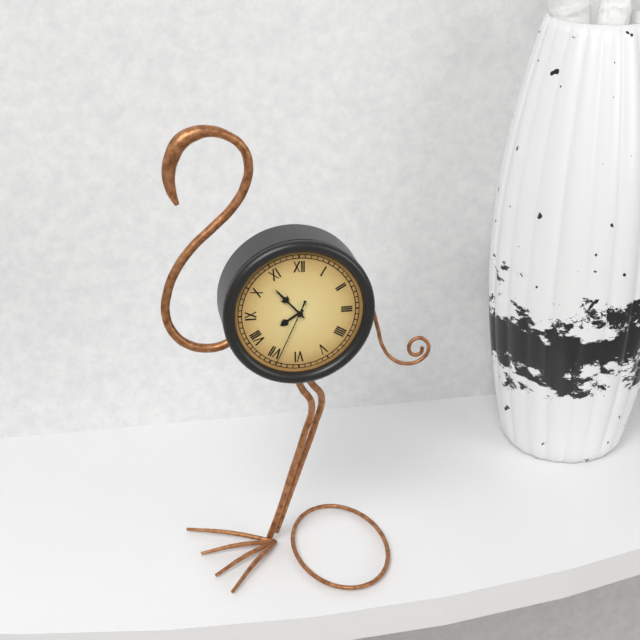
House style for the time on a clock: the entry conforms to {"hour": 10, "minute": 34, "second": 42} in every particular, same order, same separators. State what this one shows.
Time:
{"hour": 7, "minute": 53, "second": 34}
